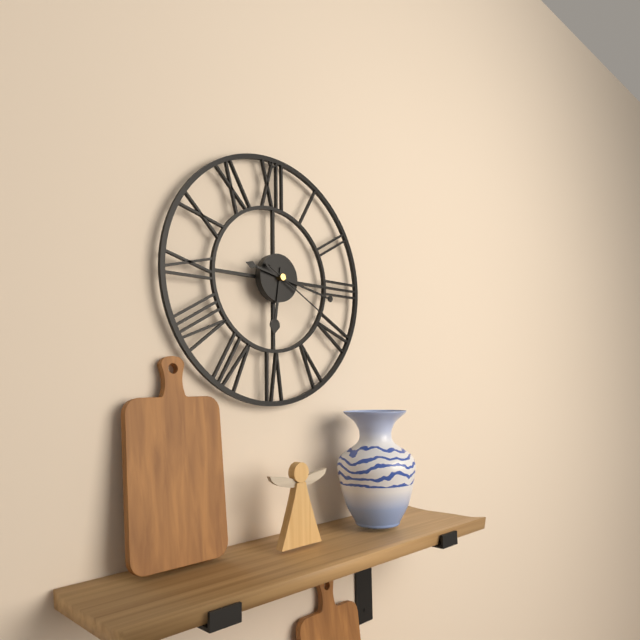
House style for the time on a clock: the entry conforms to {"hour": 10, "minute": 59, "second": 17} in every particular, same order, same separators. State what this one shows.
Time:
{"hour": 6, "minute": 17, "second": 20}
